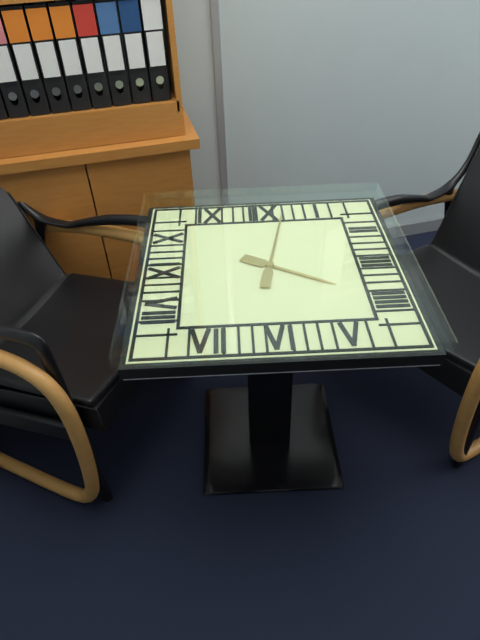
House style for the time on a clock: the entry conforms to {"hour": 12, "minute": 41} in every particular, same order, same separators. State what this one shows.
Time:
{"hour": 4, "minute": 2}
